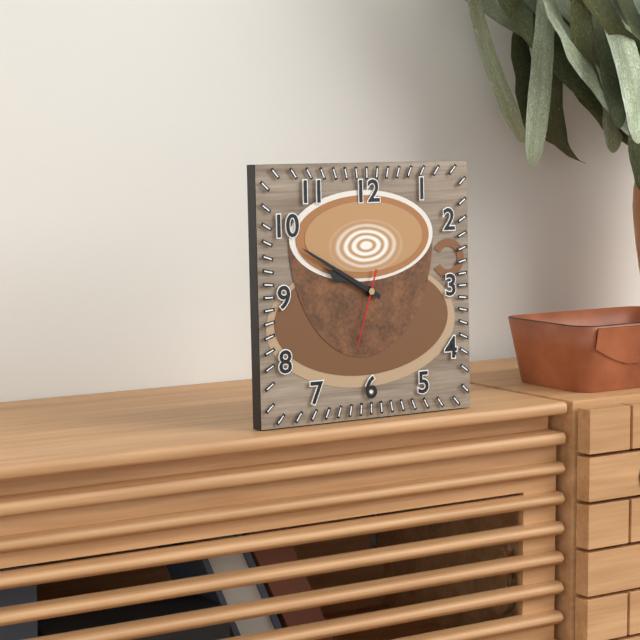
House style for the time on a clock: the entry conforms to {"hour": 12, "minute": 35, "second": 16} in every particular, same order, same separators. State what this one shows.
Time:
{"hour": 9, "minute": 50, "second": 33}
